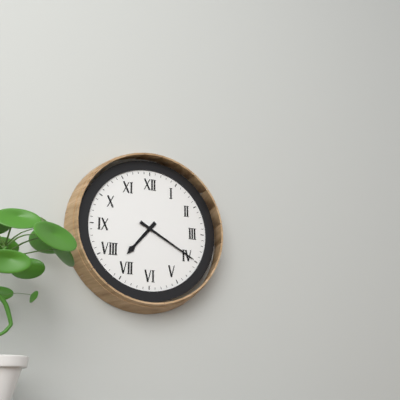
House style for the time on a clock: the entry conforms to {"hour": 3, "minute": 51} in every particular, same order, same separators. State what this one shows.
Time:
{"hour": 7, "minute": 20}
